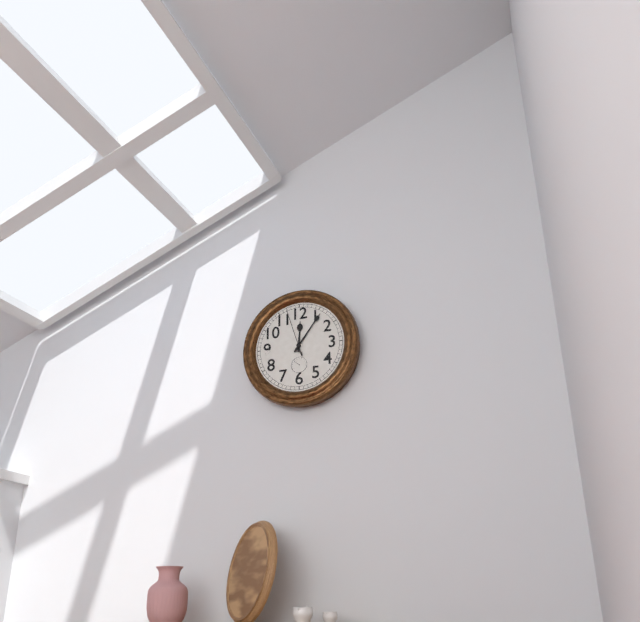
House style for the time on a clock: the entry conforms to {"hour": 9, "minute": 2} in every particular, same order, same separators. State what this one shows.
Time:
{"hour": 12, "minute": 6}
